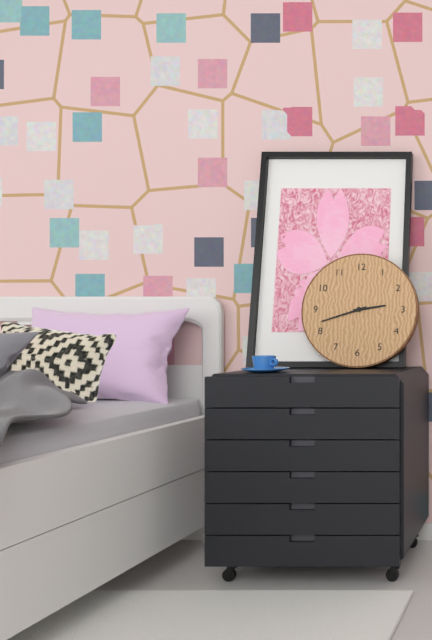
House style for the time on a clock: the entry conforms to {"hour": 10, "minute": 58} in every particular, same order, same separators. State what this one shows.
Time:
{"hour": 2, "minute": 42}
